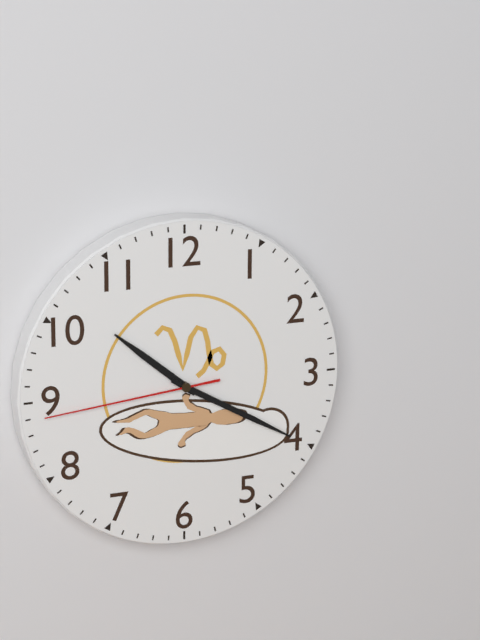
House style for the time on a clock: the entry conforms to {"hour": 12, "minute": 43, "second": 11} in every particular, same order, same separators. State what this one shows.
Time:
{"hour": 10, "minute": 20, "second": 44}
